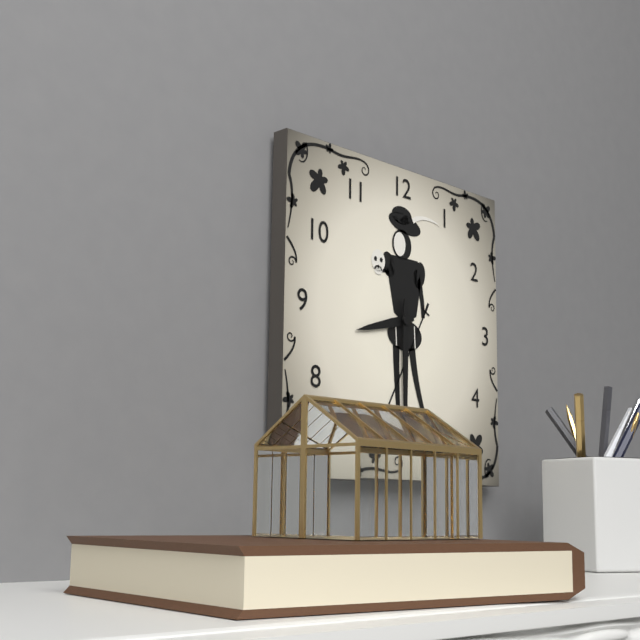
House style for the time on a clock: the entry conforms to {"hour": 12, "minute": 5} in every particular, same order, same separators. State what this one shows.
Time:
{"hour": 8, "minute": 30}
